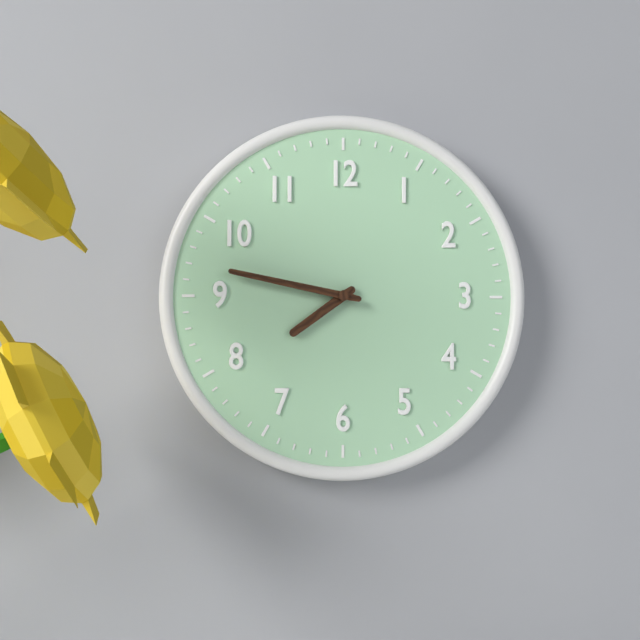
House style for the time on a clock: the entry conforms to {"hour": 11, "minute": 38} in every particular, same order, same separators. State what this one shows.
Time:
{"hour": 7, "minute": 47}
